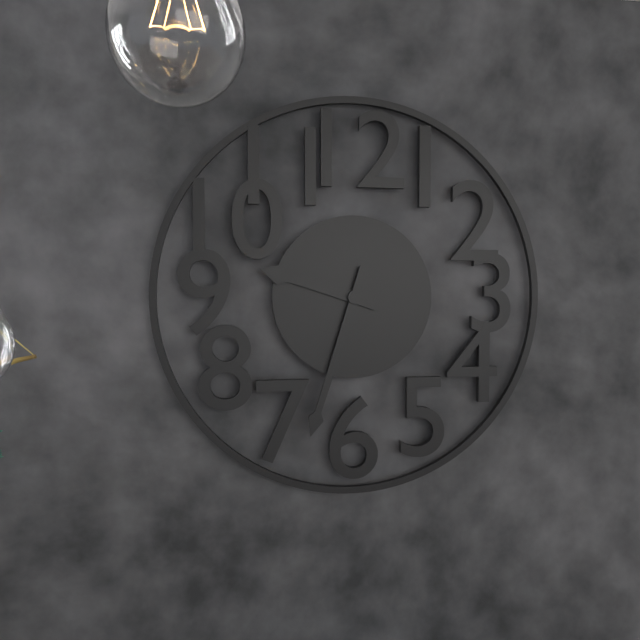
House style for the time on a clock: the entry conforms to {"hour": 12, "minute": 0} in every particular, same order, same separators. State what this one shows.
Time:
{"hour": 9, "minute": 33}
